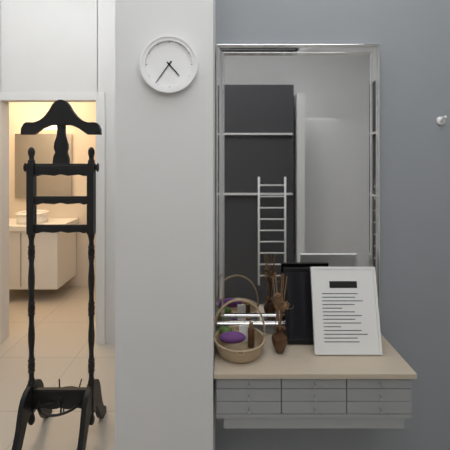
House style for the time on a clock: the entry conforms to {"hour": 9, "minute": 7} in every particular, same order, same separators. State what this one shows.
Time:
{"hour": 4, "minute": 36}
